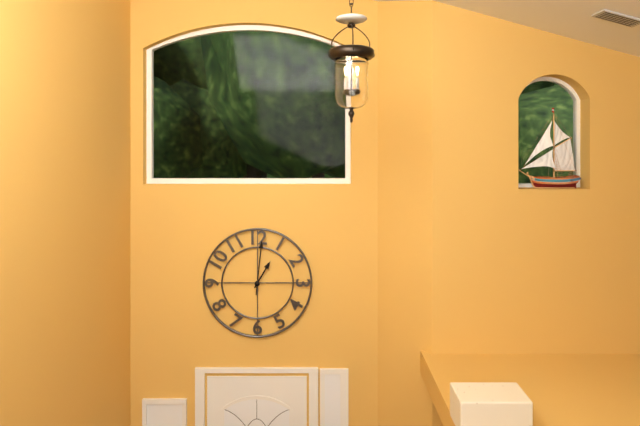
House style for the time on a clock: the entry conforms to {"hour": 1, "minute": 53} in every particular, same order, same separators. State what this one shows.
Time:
{"hour": 1, "minute": 1}
